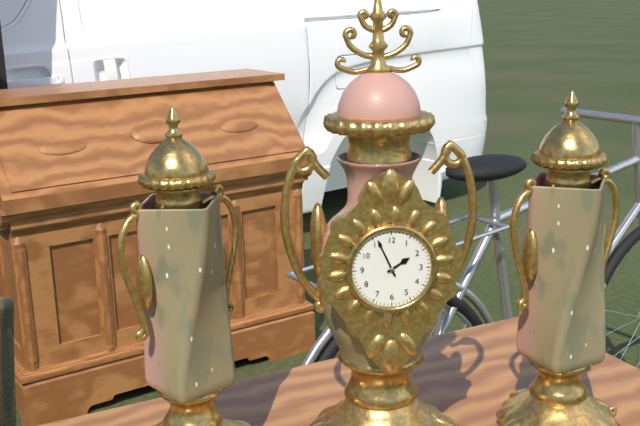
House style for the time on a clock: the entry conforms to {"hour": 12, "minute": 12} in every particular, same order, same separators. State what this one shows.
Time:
{"hour": 1, "minute": 56}
